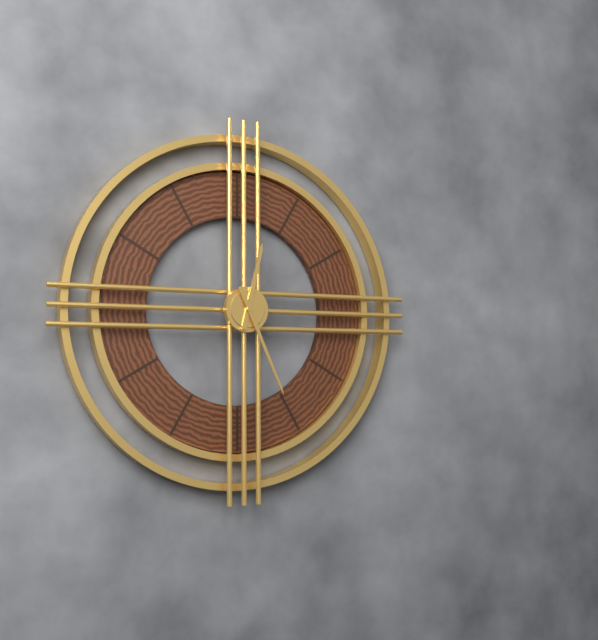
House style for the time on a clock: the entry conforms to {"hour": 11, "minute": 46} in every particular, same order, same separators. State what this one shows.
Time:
{"hour": 12, "minute": 26}
